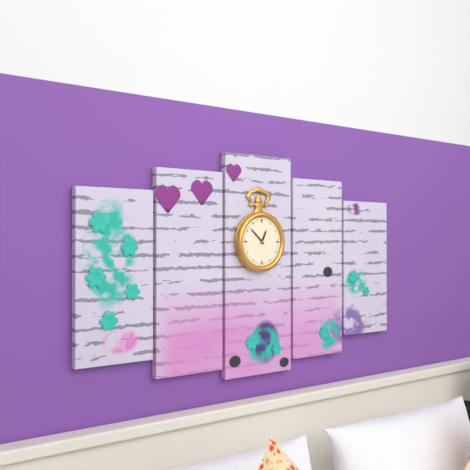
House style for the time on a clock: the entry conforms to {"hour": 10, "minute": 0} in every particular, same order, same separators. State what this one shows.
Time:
{"hour": 12, "minute": 52}
